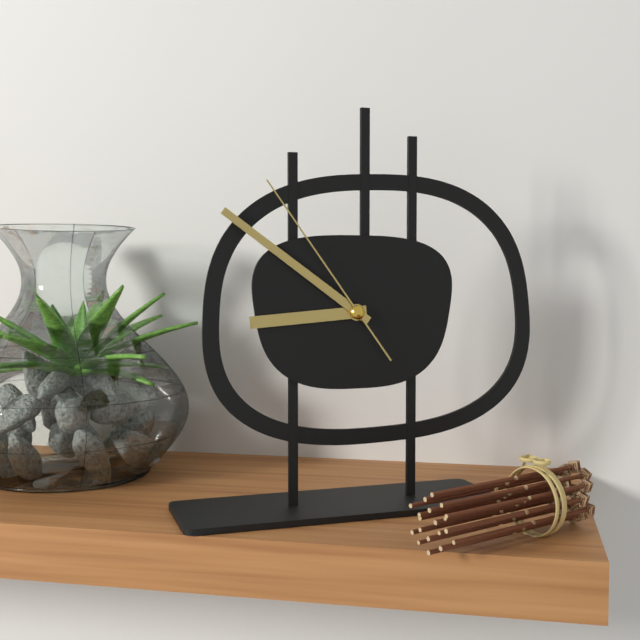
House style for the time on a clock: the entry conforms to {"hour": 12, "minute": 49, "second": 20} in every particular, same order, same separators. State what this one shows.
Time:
{"hour": 8, "minute": 51, "second": 54}
